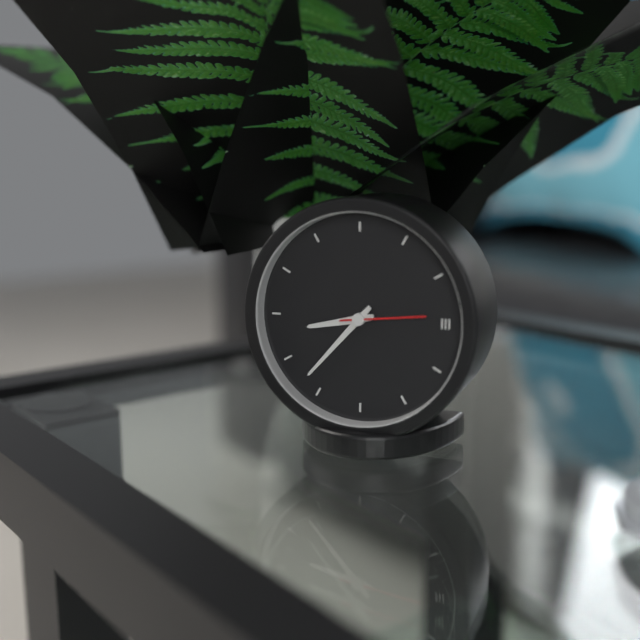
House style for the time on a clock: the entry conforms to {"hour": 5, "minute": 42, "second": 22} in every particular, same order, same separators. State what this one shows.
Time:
{"hour": 8, "minute": 37, "second": 14}
